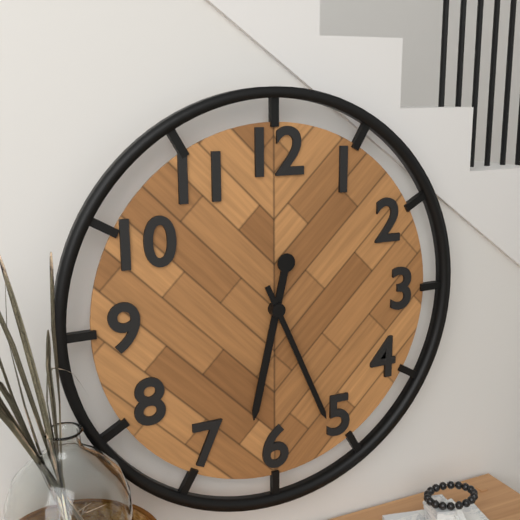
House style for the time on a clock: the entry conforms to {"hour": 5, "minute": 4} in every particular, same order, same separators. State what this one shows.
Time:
{"hour": 6, "minute": 26}
